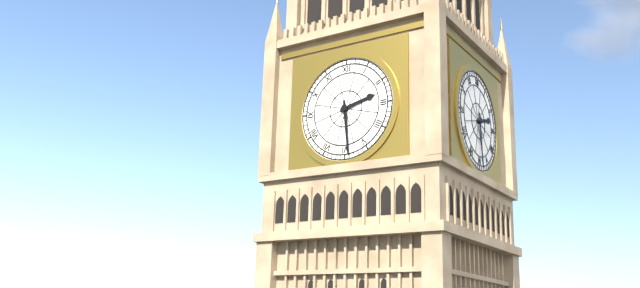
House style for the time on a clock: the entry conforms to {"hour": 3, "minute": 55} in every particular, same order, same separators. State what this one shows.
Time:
{"hour": 2, "minute": 29}
